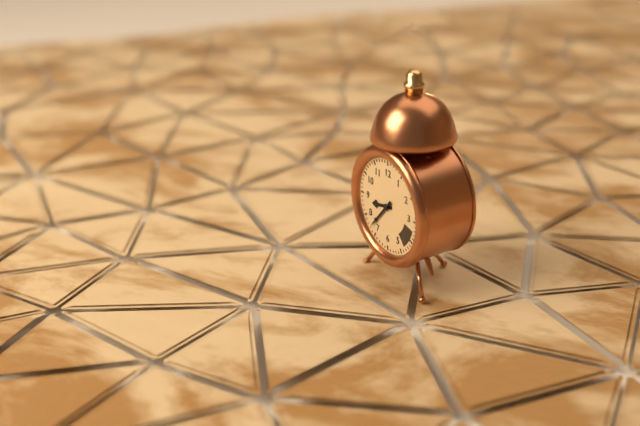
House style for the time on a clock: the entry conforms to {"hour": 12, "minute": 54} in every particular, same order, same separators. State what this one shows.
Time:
{"hour": 8, "minute": 37}
